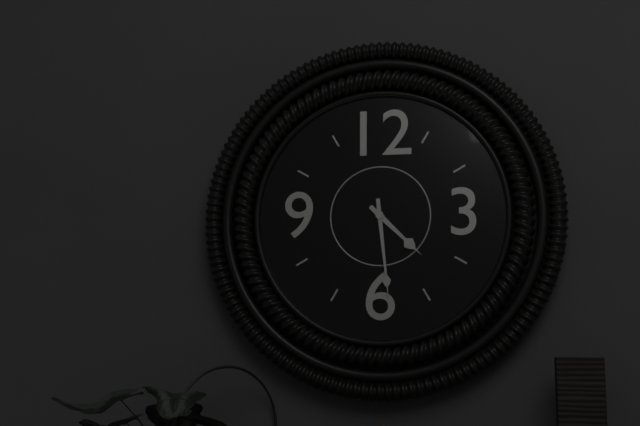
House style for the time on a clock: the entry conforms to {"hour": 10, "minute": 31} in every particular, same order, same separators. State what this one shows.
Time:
{"hour": 4, "minute": 29}
